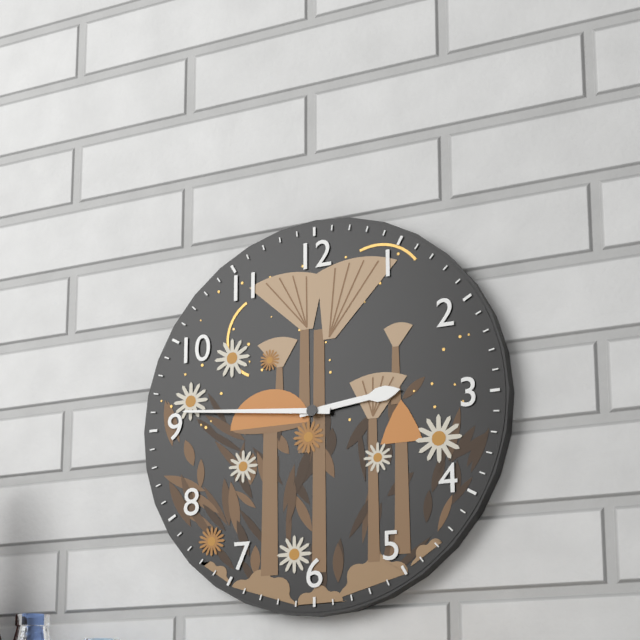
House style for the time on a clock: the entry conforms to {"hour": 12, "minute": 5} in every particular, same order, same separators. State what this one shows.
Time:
{"hour": 2, "minute": 46}
